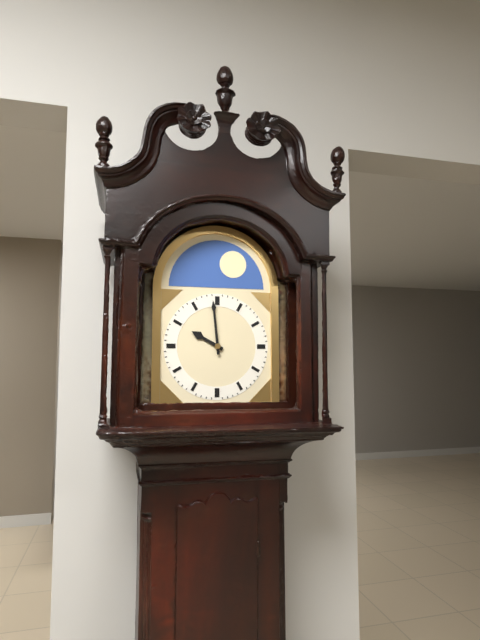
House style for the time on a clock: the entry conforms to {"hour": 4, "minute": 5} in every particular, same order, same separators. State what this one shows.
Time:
{"hour": 9, "minute": 59}
